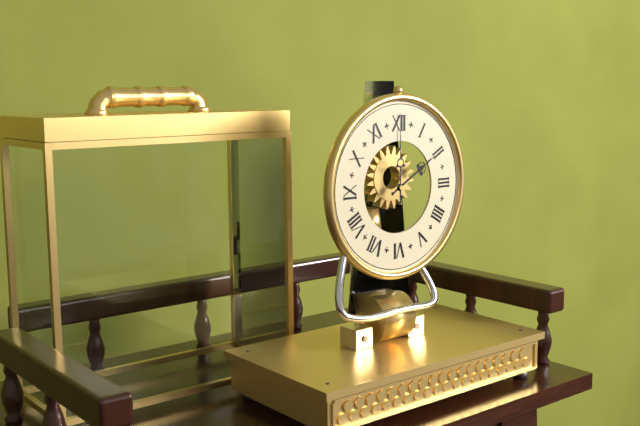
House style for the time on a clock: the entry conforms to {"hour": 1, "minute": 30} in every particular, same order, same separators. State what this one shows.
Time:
{"hour": 2, "minute": 0}
